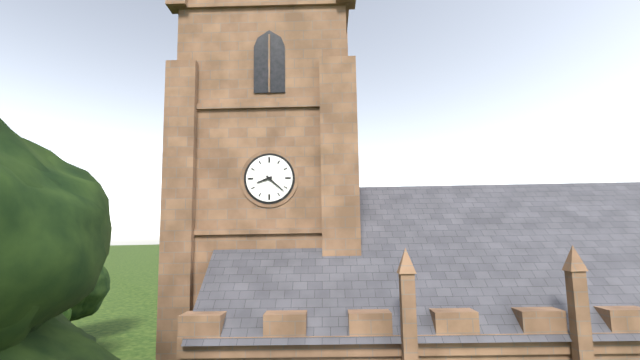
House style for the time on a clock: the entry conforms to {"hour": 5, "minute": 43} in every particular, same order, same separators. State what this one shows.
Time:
{"hour": 8, "minute": 22}
